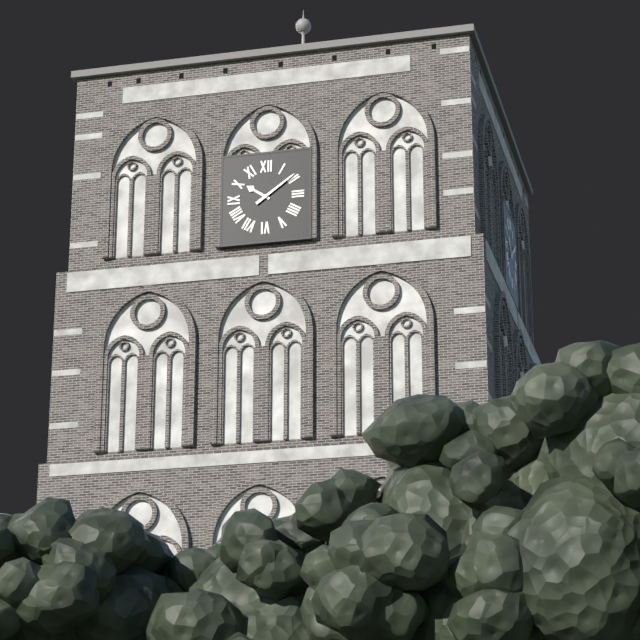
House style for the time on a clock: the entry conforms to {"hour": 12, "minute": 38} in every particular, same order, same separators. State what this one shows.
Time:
{"hour": 10, "minute": 9}
